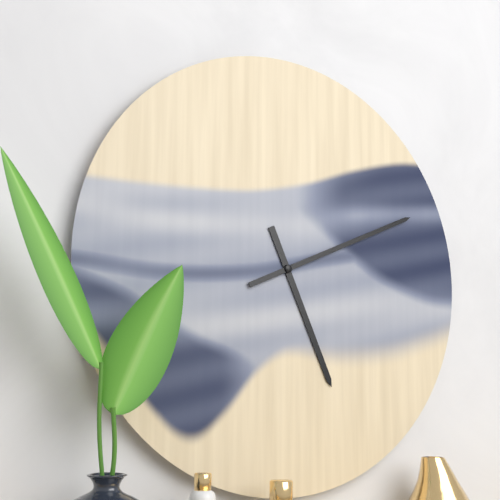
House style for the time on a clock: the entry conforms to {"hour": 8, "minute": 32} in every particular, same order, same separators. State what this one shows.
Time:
{"hour": 5, "minute": 11}
